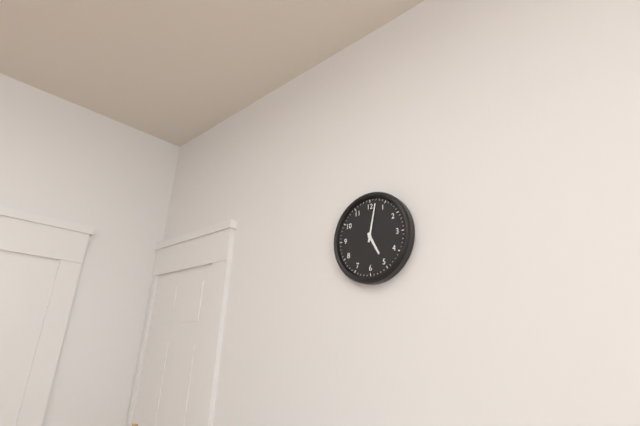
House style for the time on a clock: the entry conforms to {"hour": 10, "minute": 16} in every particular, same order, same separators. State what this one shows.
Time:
{"hour": 5, "minute": 2}
